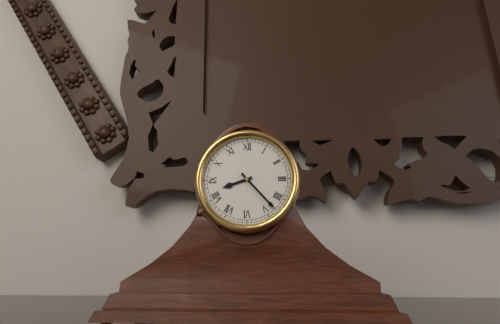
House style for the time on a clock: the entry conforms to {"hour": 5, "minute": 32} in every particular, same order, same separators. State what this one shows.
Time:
{"hour": 8, "minute": 23}
